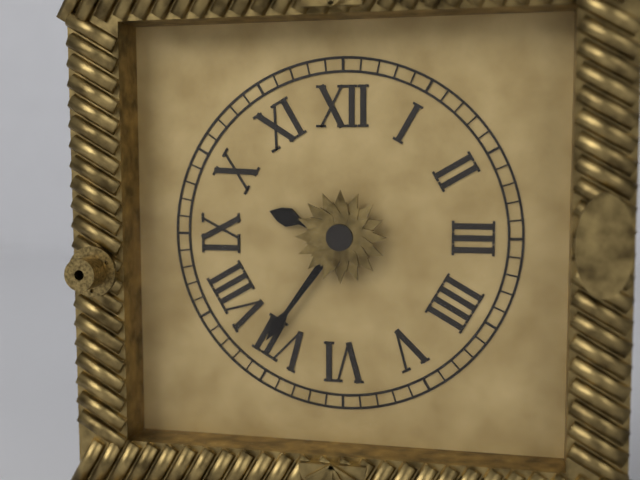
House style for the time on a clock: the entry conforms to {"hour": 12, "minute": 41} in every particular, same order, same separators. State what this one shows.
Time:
{"hour": 9, "minute": 36}
